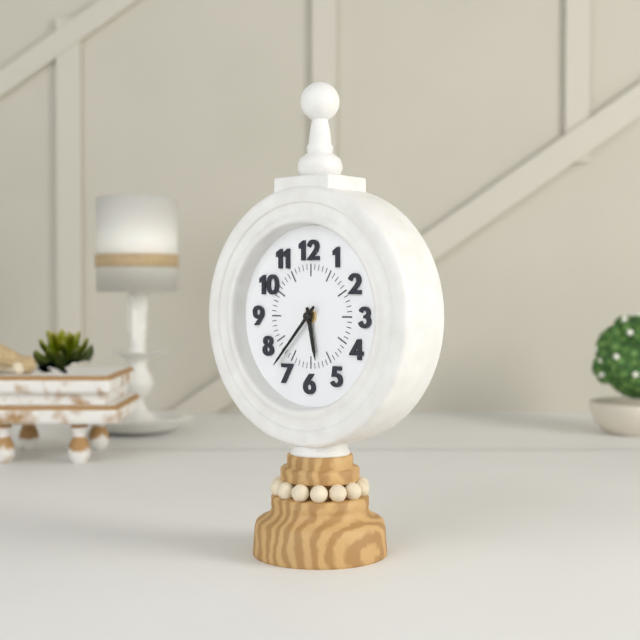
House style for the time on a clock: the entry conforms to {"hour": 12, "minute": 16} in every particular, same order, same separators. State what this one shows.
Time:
{"hour": 5, "minute": 37}
